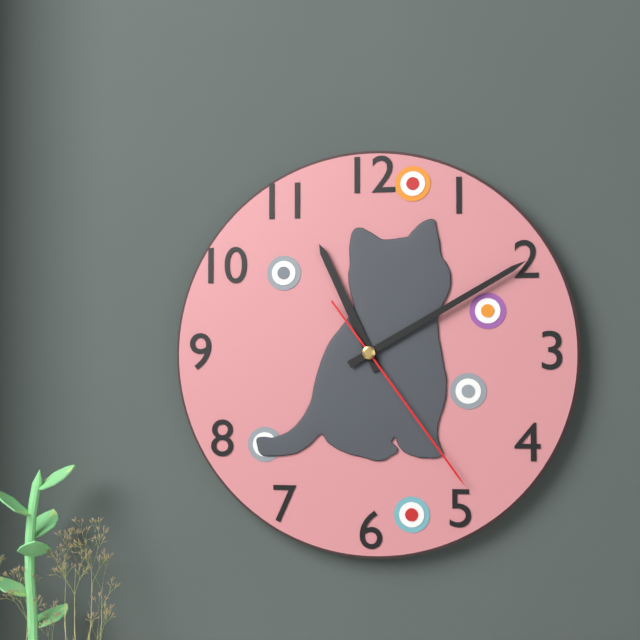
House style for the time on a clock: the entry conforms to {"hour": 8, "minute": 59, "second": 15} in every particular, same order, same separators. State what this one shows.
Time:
{"hour": 11, "minute": 10, "second": 24}
